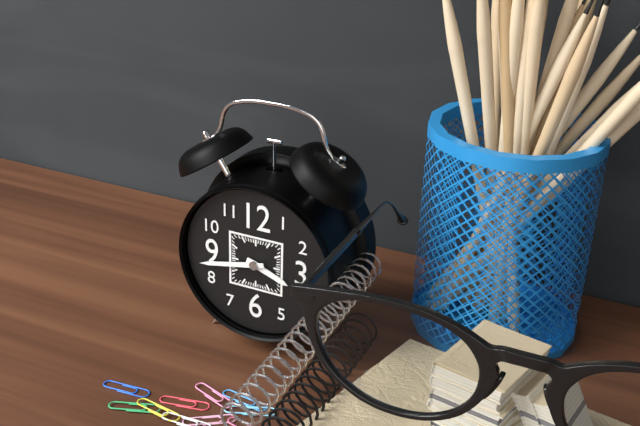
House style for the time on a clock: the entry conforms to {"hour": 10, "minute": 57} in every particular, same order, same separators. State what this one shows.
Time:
{"hour": 3, "minute": 43}
